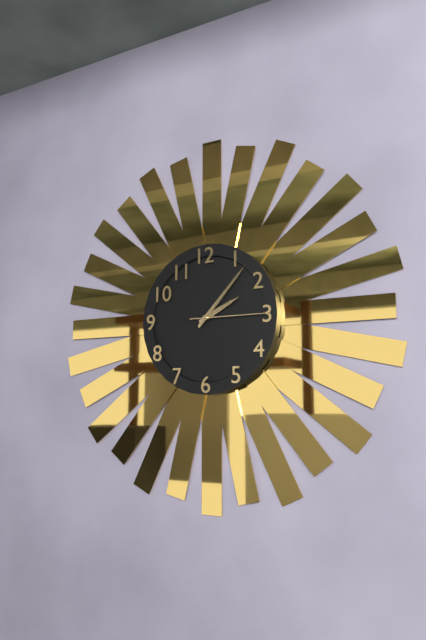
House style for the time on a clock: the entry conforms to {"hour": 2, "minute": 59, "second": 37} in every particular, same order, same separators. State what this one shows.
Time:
{"hour": 2, "minute": 7, "second": 15}
